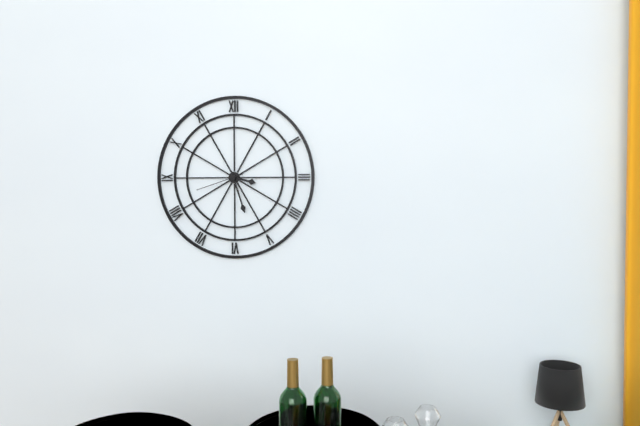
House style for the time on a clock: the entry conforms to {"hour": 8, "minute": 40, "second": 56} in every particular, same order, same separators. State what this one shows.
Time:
{"hour": 3, "minute": 27, "second": 42}
